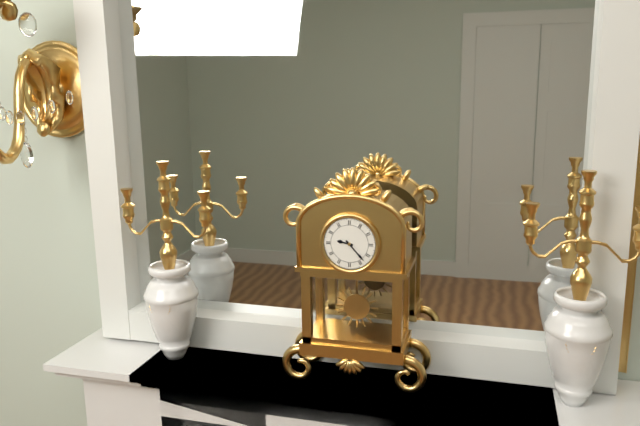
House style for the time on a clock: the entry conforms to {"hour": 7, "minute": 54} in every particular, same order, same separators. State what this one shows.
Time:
{"hour": 9, "minute": 23}
